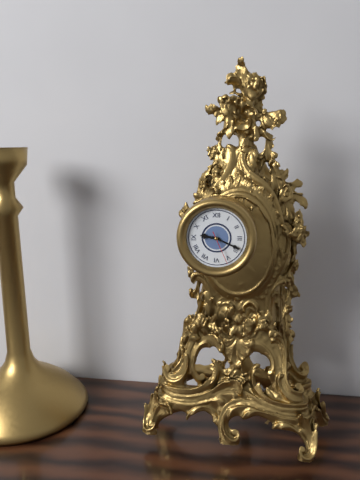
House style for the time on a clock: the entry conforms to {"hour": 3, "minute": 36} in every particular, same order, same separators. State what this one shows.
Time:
{"hour": 9, "minute": 19}
